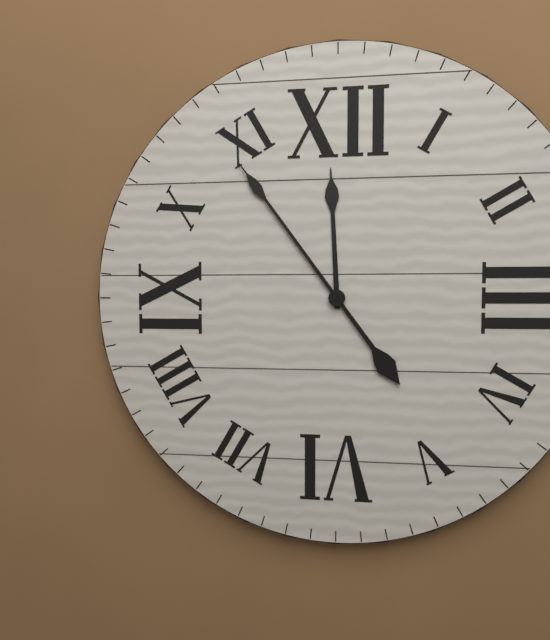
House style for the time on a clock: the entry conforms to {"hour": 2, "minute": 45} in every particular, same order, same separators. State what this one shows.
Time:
{"hour": 11, "minute": 54}
